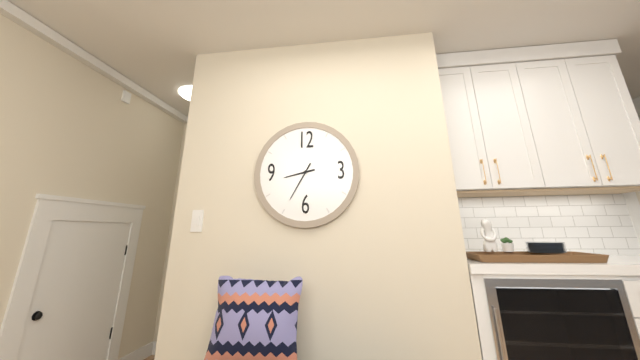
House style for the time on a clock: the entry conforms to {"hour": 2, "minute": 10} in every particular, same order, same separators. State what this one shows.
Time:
{"hour": 8, "minute": 35}
